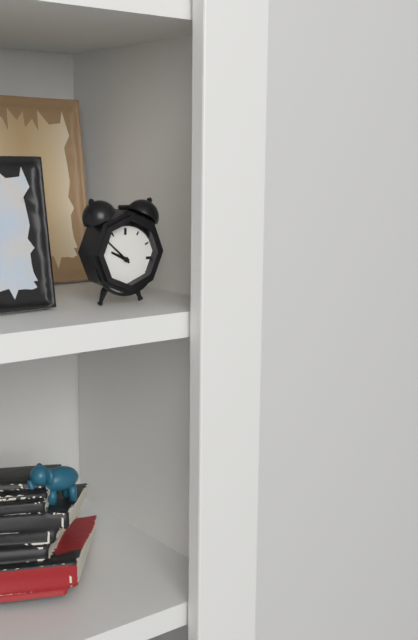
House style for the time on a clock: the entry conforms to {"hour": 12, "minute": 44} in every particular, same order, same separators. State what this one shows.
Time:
{"hour": 9, "minute": 52}
